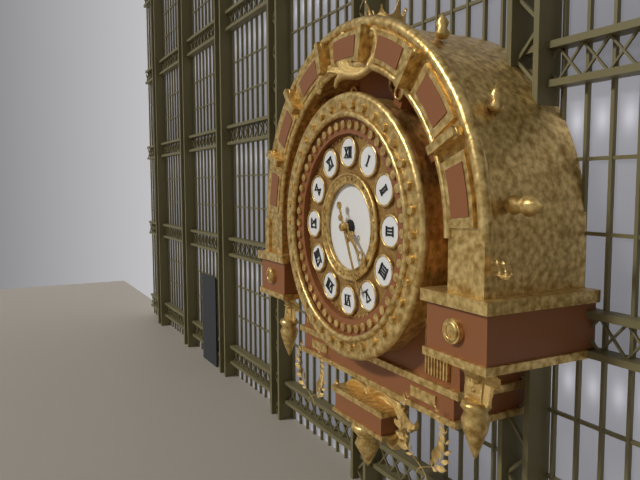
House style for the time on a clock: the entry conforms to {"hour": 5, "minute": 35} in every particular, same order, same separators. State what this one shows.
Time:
{"hour": 4, "minute": 26}
